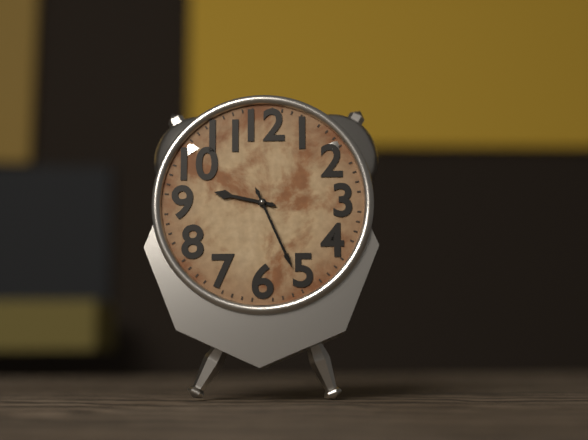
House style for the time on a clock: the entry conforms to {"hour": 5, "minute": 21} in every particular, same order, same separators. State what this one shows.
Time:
{"hour": 9, "minute": 26}
